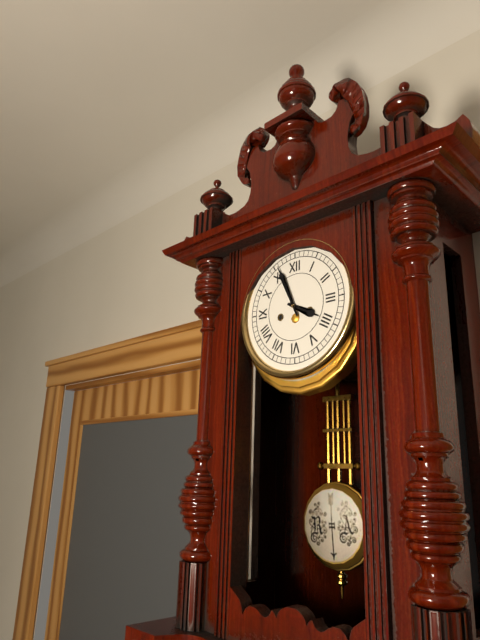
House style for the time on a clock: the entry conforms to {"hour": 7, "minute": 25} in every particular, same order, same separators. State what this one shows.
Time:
{"hour": 3, "minute": 56}
